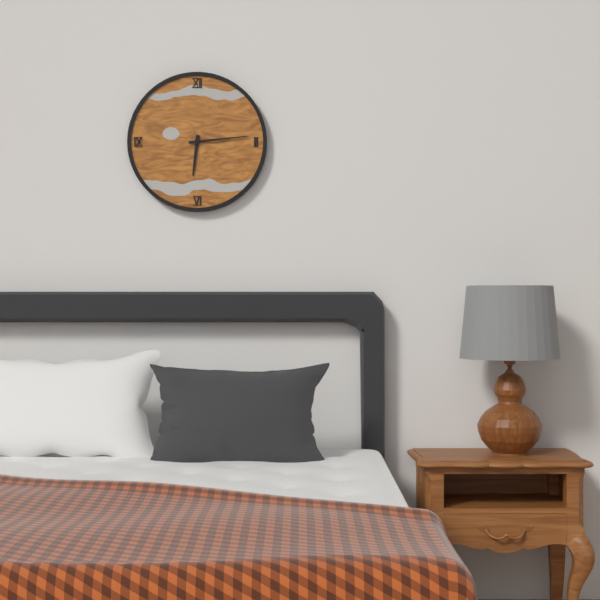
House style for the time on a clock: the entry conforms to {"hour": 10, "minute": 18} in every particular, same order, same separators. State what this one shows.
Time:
{"hour": 6, "minute": 14}
